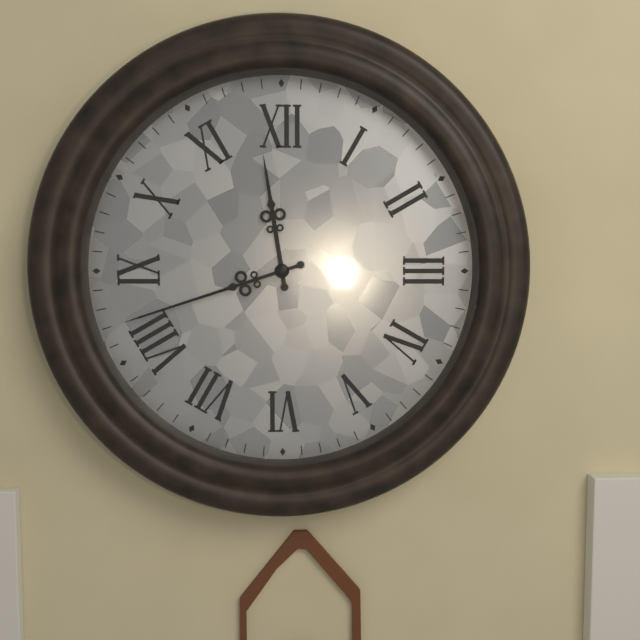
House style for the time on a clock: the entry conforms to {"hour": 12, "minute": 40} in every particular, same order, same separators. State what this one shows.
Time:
{"hour": 11, "minute": 42}
